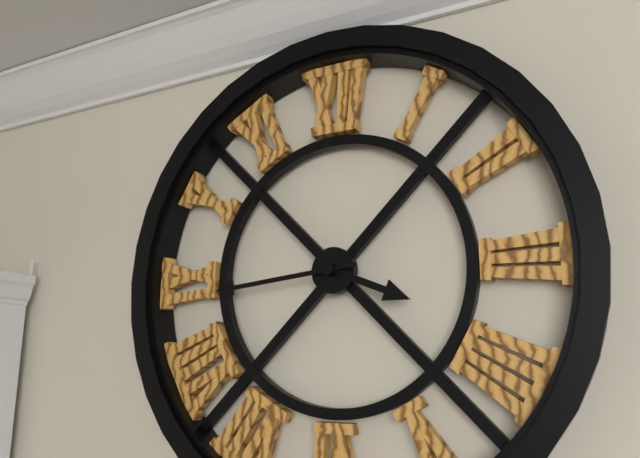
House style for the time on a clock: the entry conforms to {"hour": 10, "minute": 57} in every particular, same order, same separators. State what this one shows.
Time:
{"hour": 3, "minute": 44}
